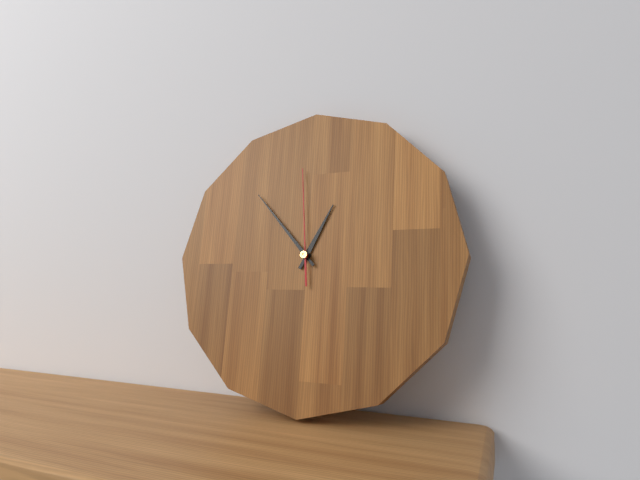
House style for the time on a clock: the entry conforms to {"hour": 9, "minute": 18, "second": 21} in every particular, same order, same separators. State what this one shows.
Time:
{"hour": 12, "minute": 53, "second": 59}
